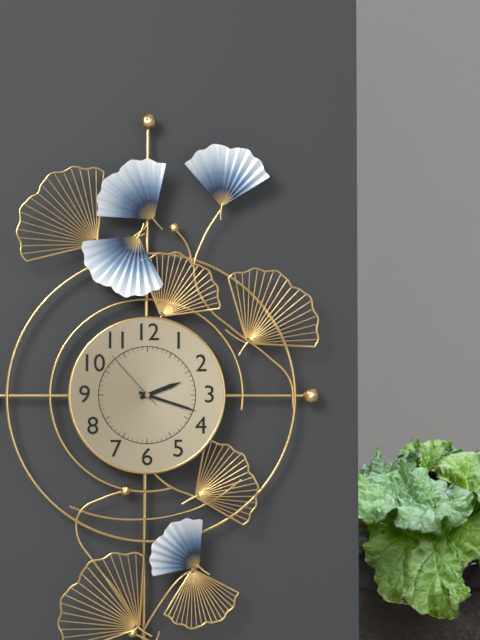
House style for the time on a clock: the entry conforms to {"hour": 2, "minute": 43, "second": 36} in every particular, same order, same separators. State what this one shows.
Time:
{"hour": 2, "minute": 18, "second": 53}
